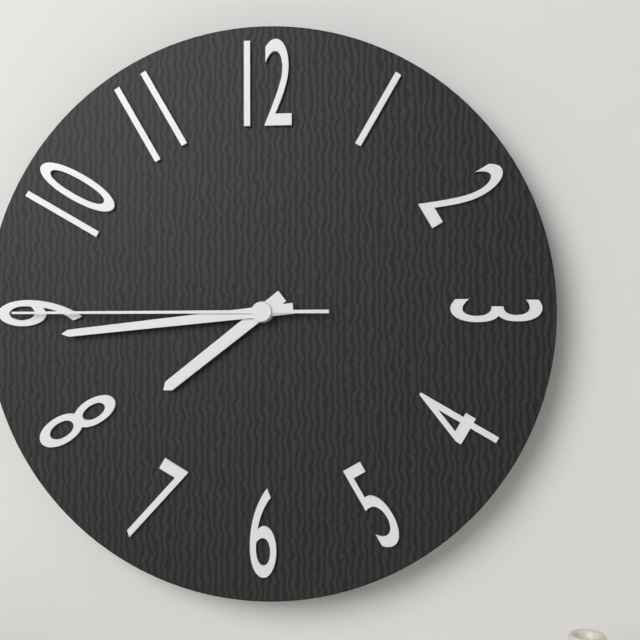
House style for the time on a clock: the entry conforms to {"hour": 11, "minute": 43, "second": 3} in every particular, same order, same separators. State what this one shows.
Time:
{"hour": 7, "minute": 44, "second": 45}
